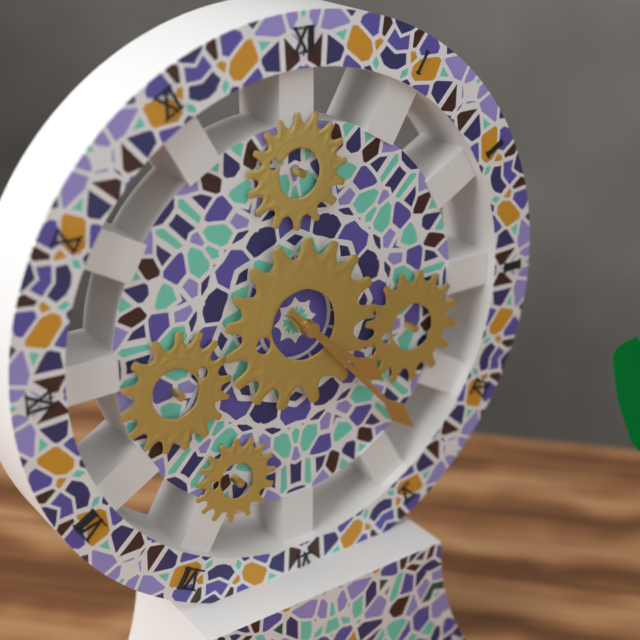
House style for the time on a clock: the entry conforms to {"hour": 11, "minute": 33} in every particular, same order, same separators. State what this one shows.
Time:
{"hour": 4, "minute": 23}
